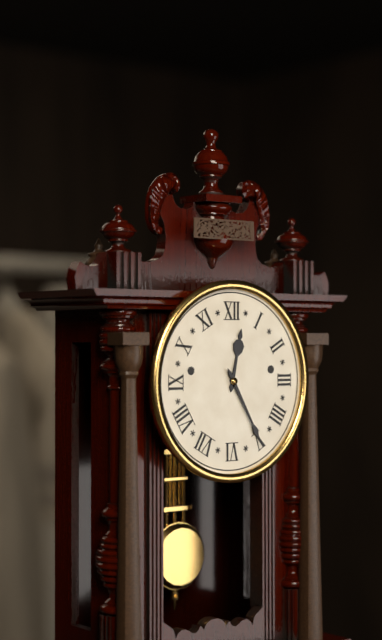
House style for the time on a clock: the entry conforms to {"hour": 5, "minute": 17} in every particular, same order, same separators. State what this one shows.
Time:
{"hour": 12, "minute": 25}
